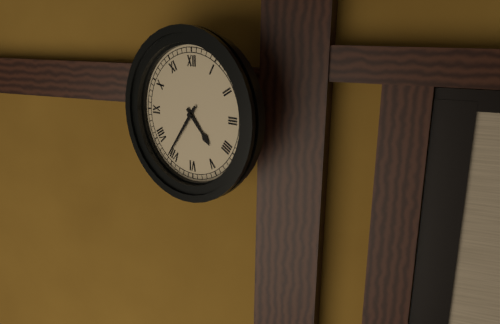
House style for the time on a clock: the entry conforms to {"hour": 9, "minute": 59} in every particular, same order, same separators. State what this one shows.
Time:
{"hour": 4, "minute": 36}
